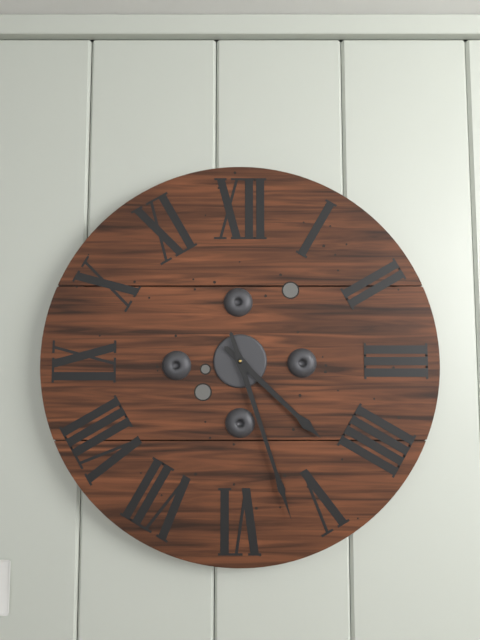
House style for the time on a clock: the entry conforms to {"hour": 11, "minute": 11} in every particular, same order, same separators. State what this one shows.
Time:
{"hour": 4, "minute": 27}
